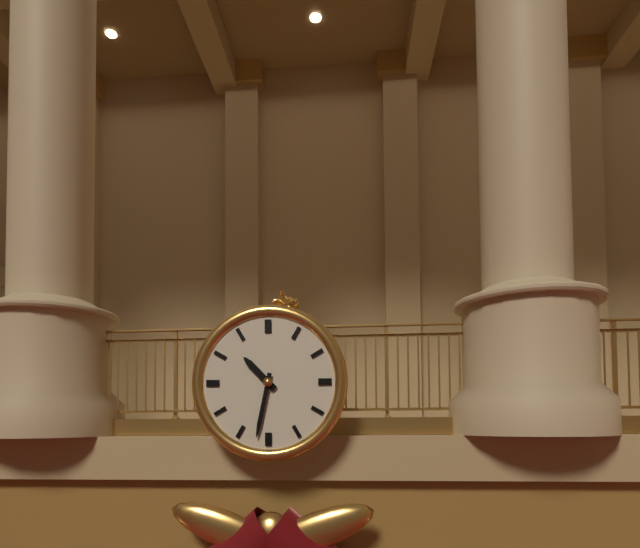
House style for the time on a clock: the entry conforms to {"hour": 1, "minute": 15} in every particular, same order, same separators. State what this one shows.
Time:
{"hour": 10, "minute": 32}
